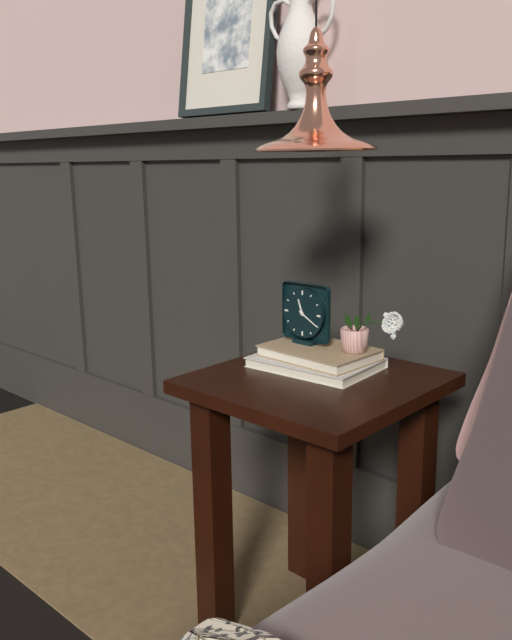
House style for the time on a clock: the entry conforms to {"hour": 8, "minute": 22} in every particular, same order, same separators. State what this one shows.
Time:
{"hour": 11, "minute": 20}
